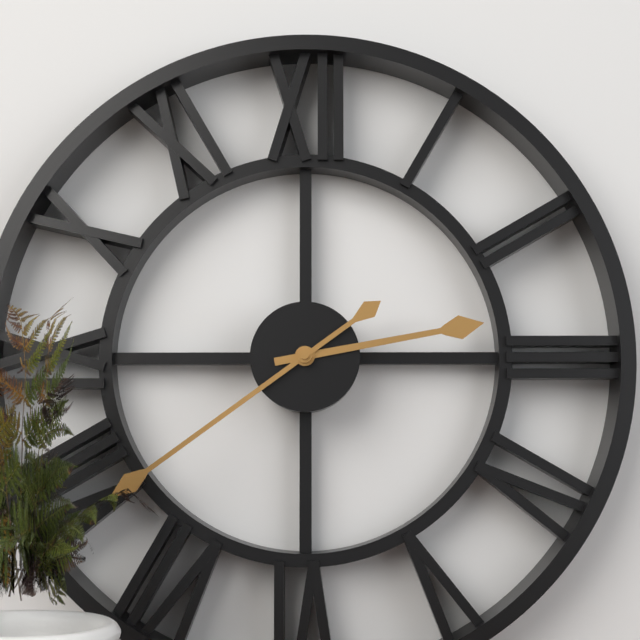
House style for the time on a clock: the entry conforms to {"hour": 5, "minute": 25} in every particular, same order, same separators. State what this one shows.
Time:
{"hour": 2, "minute": 39}
